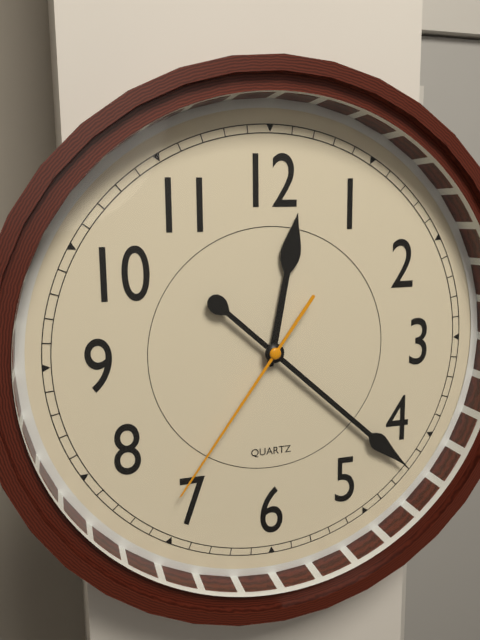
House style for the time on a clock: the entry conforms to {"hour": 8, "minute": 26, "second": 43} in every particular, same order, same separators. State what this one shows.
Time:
{"hour": 12, "minute": 22, "second": 36}
